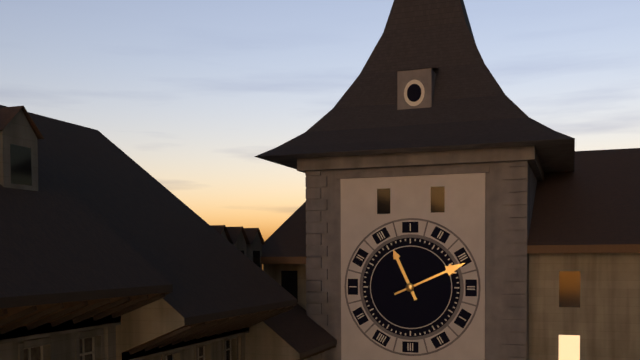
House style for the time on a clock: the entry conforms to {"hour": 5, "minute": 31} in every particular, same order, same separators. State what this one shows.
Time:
{"hour": 11, "minute": 11}
